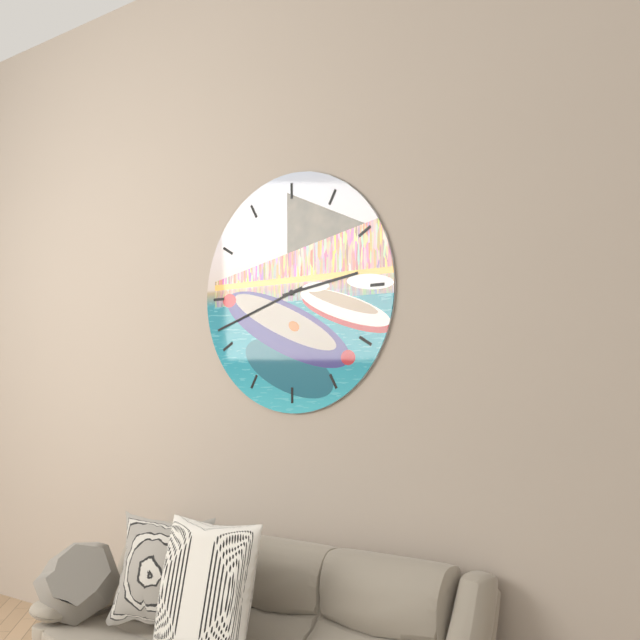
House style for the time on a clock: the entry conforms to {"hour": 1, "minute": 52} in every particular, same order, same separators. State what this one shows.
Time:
{"hour": 2, "minute": 42}
